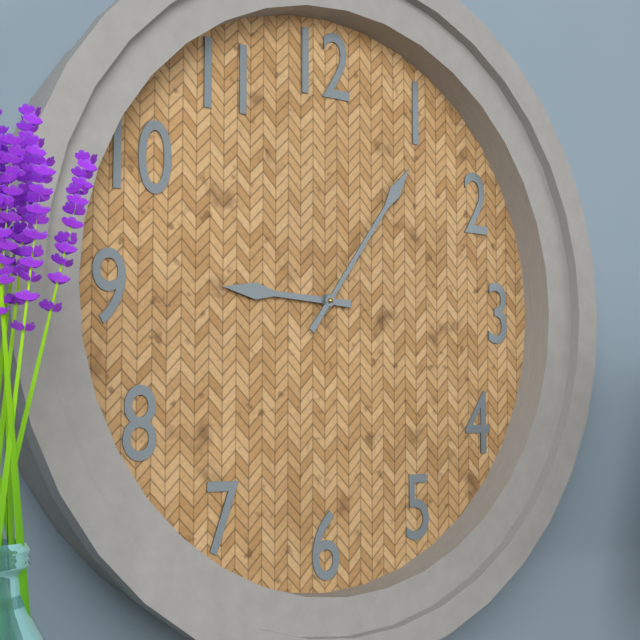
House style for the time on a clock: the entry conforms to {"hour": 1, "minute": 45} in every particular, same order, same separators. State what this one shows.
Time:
{"hour": 9, "minute": 6}
